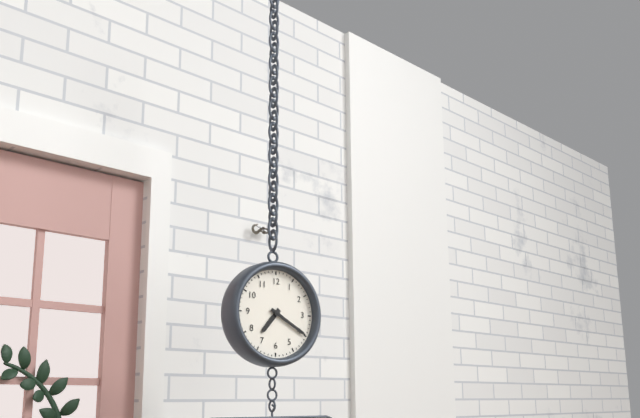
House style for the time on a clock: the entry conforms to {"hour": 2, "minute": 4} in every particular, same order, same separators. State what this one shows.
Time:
{"hour": 7, "minute": 20}
